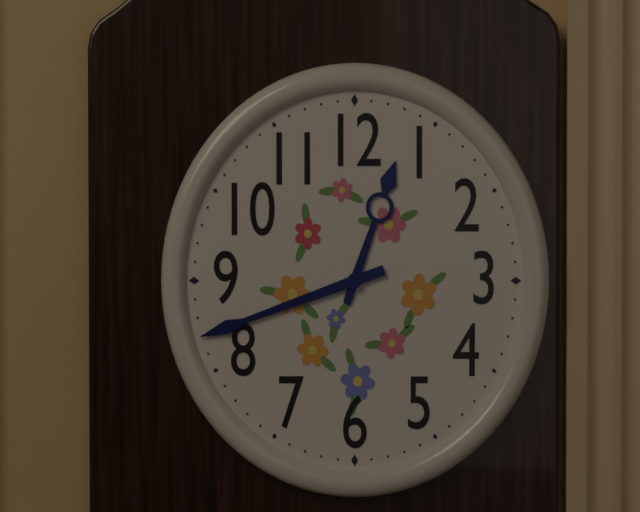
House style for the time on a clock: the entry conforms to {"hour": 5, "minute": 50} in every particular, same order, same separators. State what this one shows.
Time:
{"hour": 12, "minute": 42}
